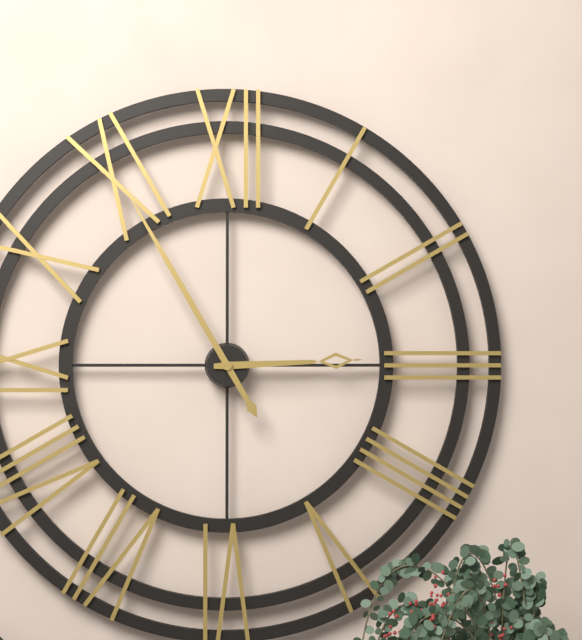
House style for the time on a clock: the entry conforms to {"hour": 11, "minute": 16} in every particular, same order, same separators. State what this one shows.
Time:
{"hour": 2, "minute": 55}
